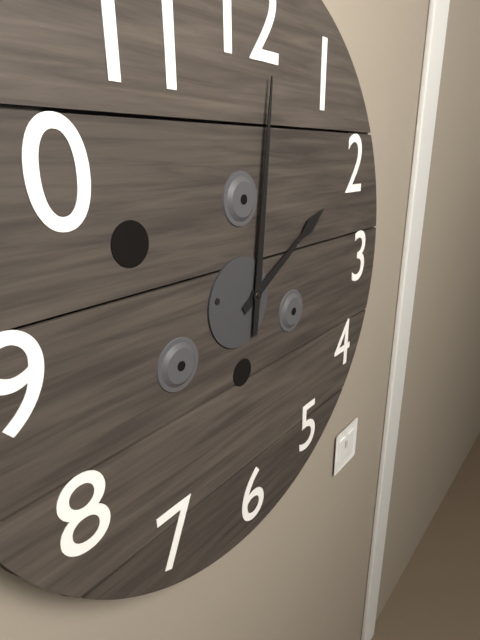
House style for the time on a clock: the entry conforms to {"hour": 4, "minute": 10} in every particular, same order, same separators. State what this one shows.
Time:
{"hour": 2, "minute": 1}
